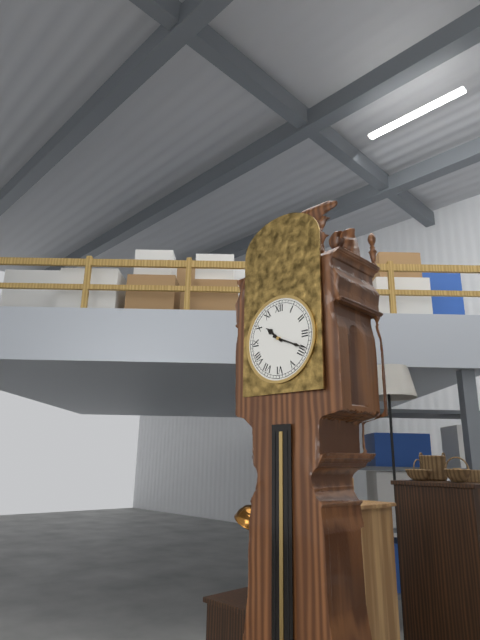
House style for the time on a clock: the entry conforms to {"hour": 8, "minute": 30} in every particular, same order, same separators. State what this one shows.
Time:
{"hour": 10, "minute": 19}
